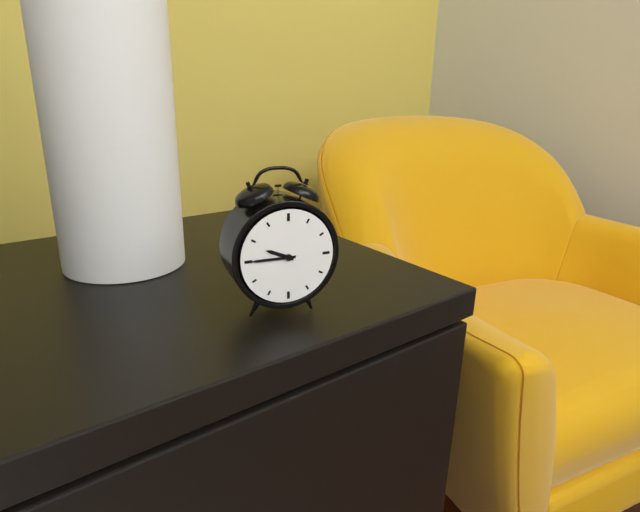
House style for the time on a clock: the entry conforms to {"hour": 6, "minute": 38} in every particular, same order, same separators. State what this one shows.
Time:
{"hour": 9, "minute": 45}
